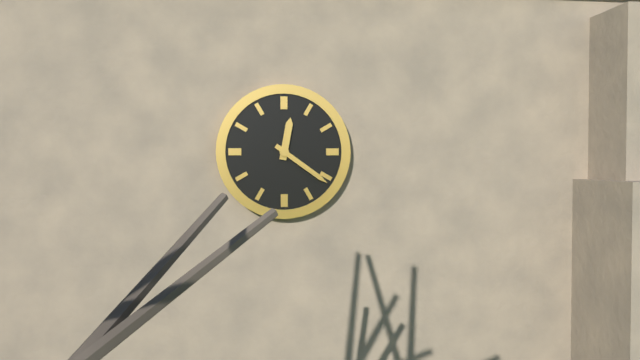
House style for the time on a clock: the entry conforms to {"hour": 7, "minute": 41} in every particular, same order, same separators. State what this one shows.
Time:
{"hour": 12, "minute": 21}
